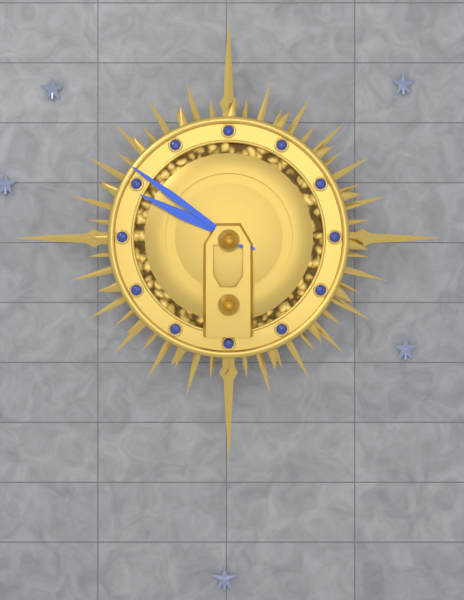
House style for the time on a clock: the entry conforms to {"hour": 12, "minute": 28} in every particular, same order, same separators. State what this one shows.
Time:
{"hour": 9, "minute": 51}
